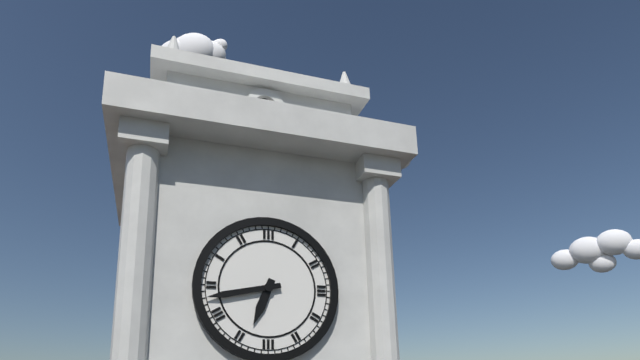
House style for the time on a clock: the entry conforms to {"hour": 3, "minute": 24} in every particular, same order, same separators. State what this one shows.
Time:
{"hour": 6, "minute": 43}
